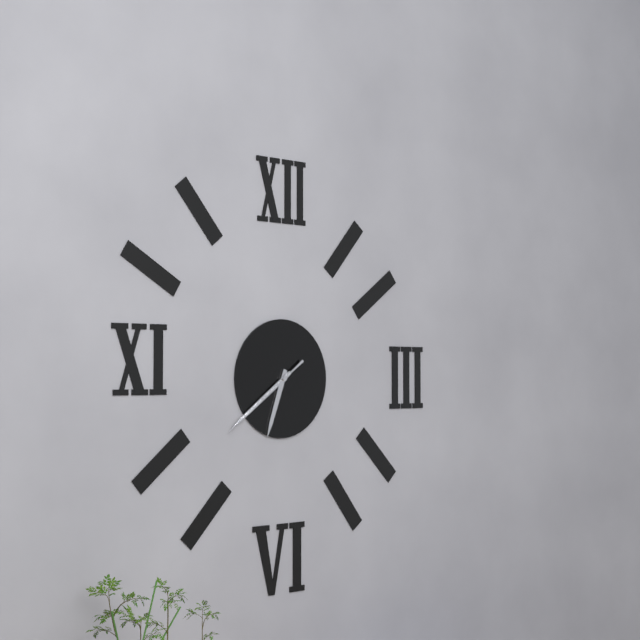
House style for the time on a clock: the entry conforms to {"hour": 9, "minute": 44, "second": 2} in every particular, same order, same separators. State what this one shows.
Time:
{"hour": 6, "minute": 39, "second": 39}
